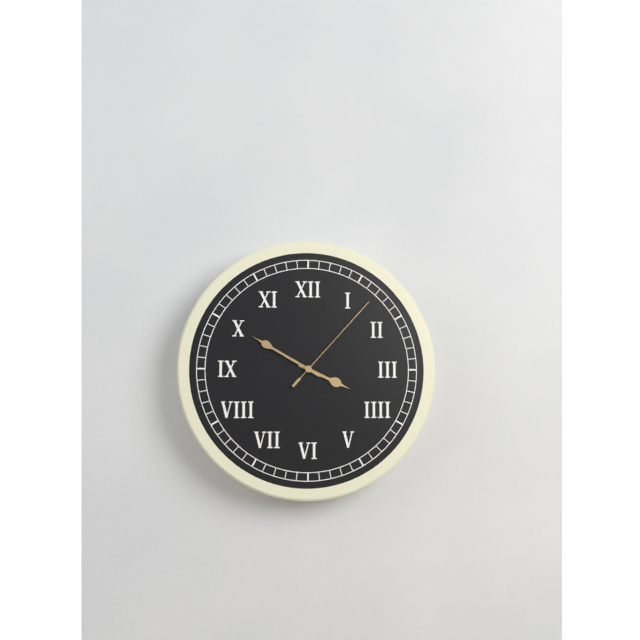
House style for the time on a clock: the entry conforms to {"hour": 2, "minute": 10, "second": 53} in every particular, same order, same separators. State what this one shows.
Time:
{"hour": 3, "minute": 50, "second": 7}
